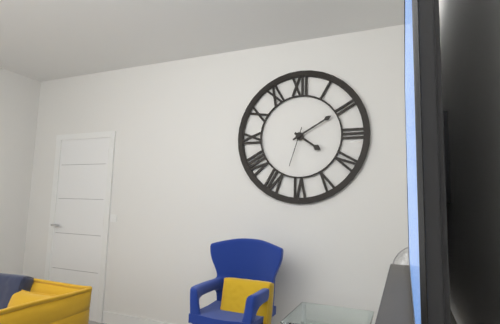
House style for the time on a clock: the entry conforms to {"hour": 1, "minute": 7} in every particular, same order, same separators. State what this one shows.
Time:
{"hour": 4, "minute": 10}
